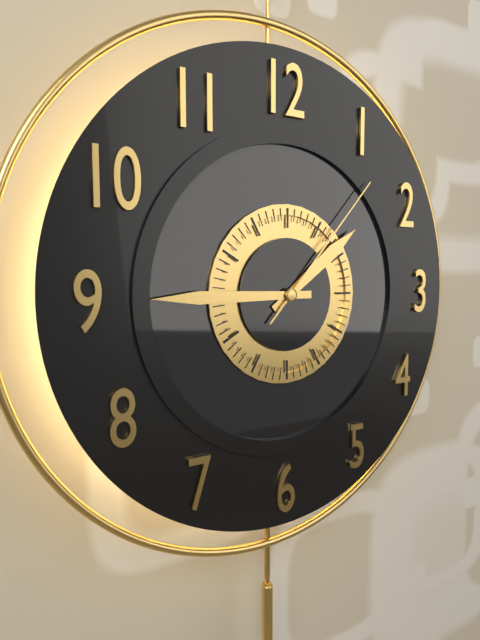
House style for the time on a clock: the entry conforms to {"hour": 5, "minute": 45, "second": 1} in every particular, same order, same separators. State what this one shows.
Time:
{"hour": 1, "minute": 45, "second": 7}
